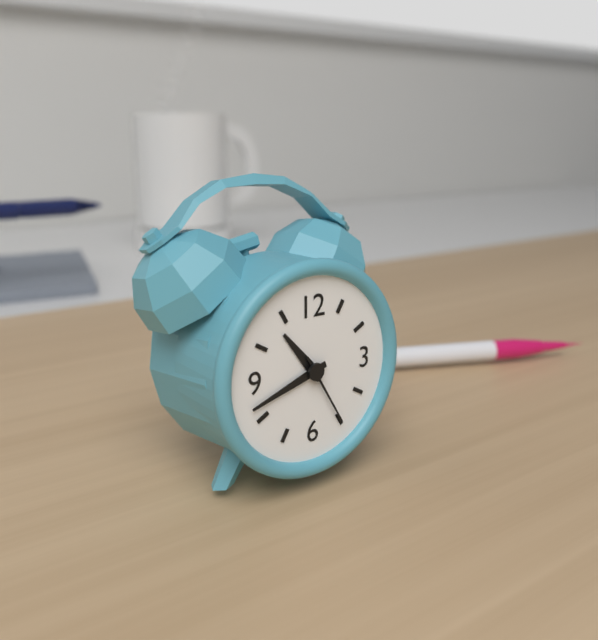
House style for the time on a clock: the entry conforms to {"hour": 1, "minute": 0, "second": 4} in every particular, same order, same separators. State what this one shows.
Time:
{"hour": 10, "minute": 42, "second": 25}
